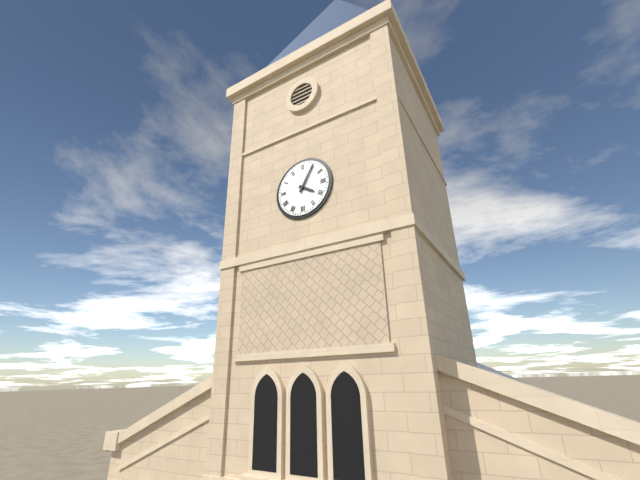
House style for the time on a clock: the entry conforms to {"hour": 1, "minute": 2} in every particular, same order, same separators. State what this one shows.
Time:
{"hour": 4, "minute": 5}
